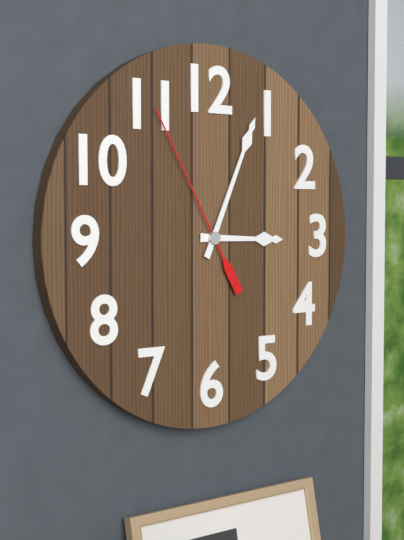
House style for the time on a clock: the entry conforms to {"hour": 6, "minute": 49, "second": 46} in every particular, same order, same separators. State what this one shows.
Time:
{"hour": 3, "minute": 4, "second": 55}
